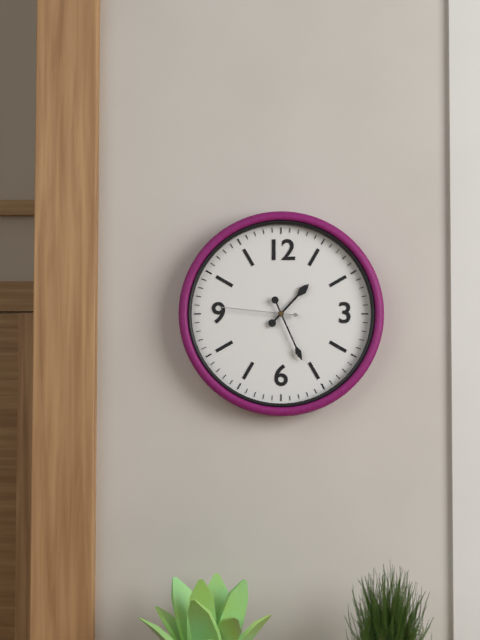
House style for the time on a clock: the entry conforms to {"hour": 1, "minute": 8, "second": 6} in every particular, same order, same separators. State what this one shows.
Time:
{"hour": 1, "minute": 26, "second": 46}
